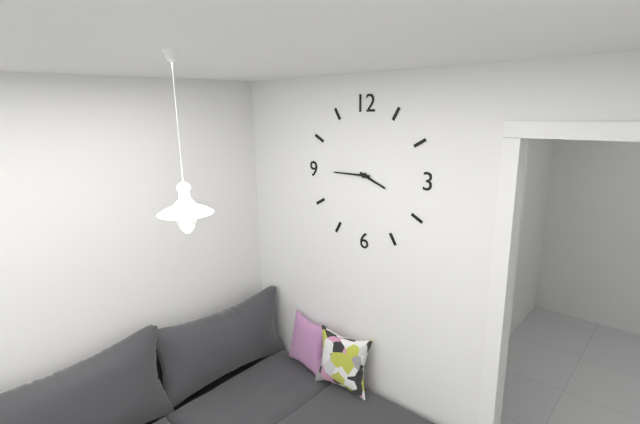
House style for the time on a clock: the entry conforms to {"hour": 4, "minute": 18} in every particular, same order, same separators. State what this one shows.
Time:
{"hour": 3, "minute": 45}
